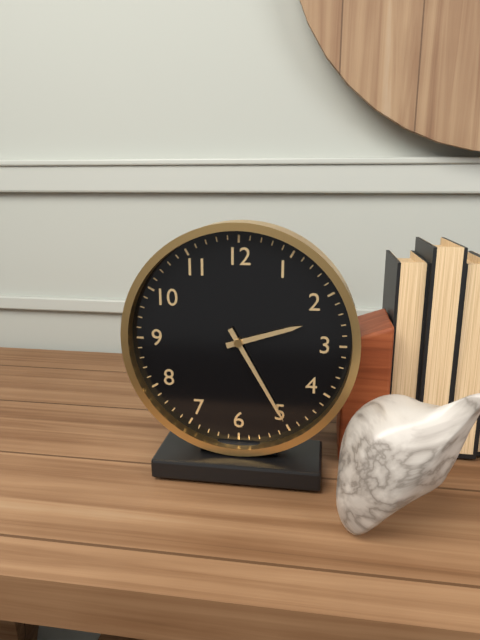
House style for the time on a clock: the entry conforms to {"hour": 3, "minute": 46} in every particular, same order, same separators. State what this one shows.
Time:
{"hour": 2, "minute": 25}
